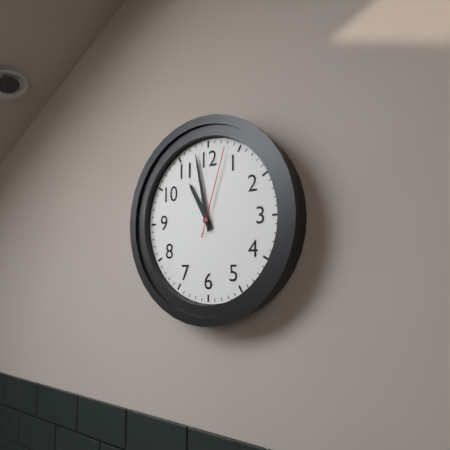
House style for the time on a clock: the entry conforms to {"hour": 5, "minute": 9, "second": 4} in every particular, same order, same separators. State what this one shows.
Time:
{"hour": 10, "minute": 58, "second": 3}
